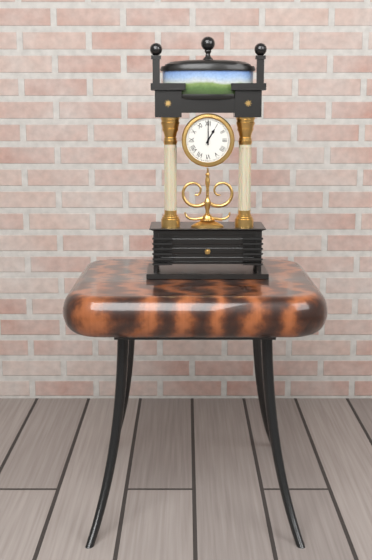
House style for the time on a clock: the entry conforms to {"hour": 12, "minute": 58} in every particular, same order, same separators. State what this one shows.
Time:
{"hour": 1, "minute": 0}
